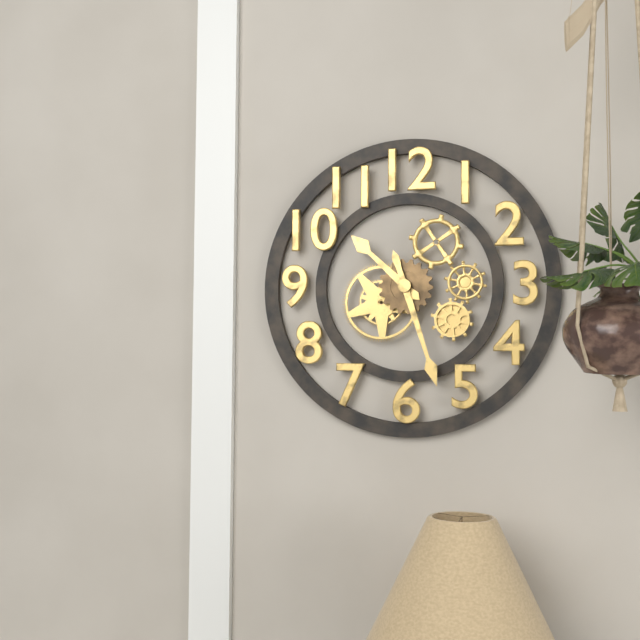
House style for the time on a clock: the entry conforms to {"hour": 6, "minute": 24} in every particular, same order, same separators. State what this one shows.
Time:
{"hour": 10, "minute": 27}
